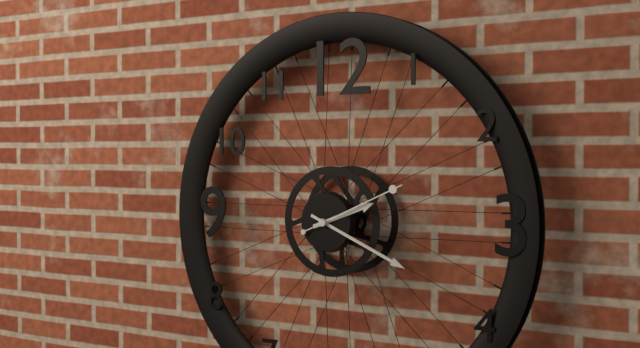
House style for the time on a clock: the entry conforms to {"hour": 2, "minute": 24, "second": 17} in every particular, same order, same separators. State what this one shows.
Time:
{"hour": 2, "minute": 19, "second": 11}
